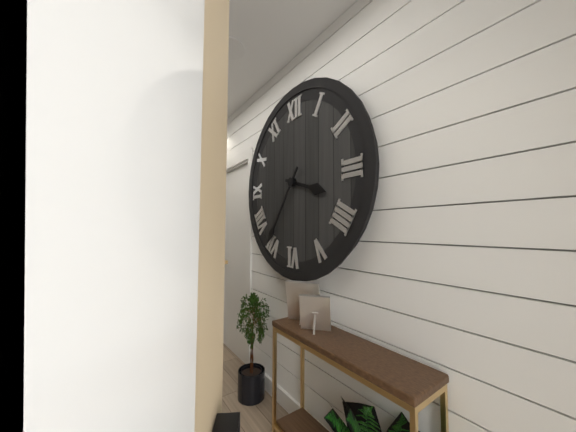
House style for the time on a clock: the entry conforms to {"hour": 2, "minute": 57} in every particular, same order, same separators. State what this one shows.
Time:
{"hour": 3, "minute": 36}
